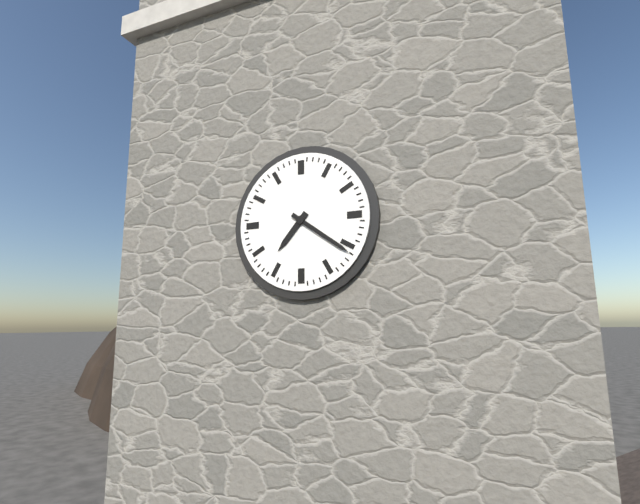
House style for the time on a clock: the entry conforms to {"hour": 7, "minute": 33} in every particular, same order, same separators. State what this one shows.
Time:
{"hour": 7, "minute": 21}
